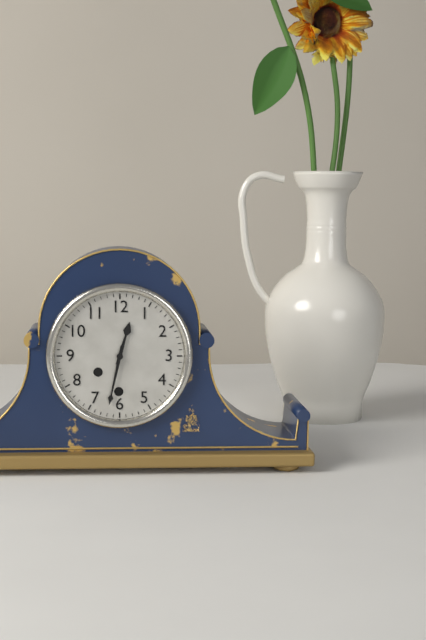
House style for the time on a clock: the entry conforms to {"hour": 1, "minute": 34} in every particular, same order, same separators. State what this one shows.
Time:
{"hour": 12, "minute": 32}
